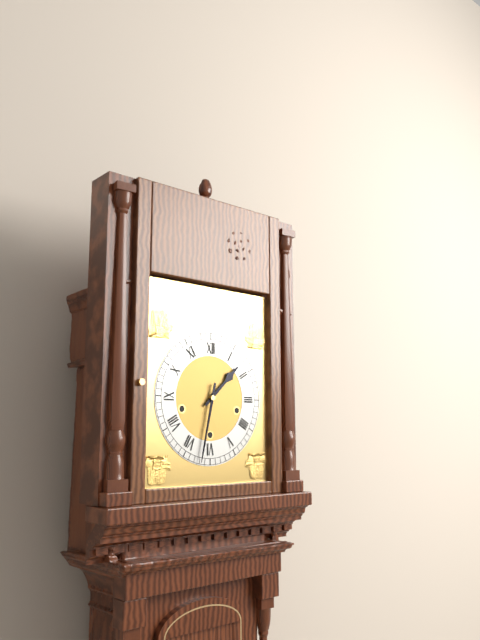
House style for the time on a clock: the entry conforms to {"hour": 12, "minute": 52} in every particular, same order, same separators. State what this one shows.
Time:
{"hour": 1, "minute": 32}
